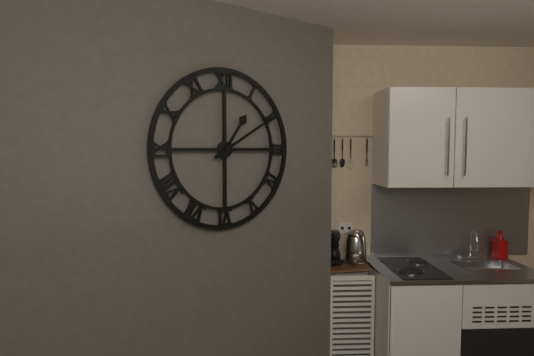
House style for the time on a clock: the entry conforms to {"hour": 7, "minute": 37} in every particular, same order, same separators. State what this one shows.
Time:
{"hour": 1, "minute": 10}
